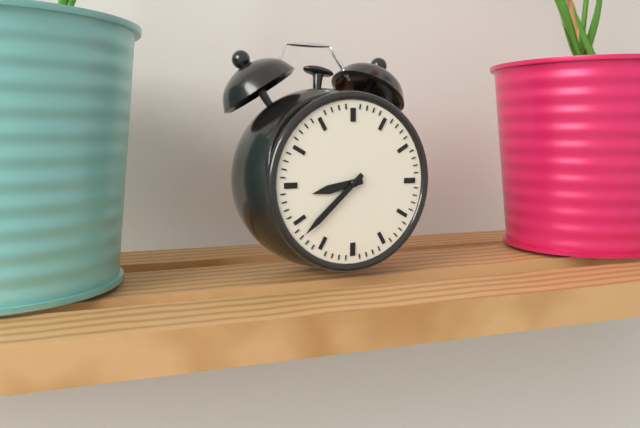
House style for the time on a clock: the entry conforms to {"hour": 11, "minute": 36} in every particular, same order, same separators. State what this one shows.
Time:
{"hour": 8, "minute": 38}
